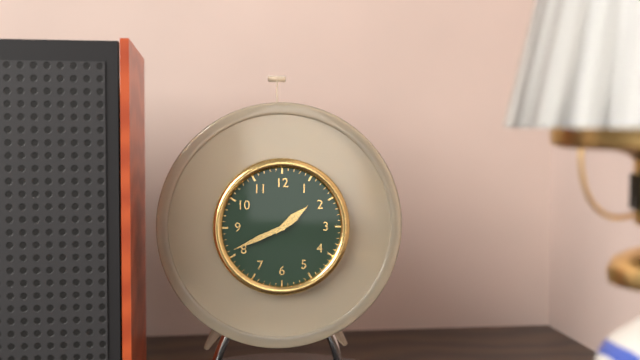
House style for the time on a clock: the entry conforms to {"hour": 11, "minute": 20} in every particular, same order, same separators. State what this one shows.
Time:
{"hour": 1, "minute": 41}
